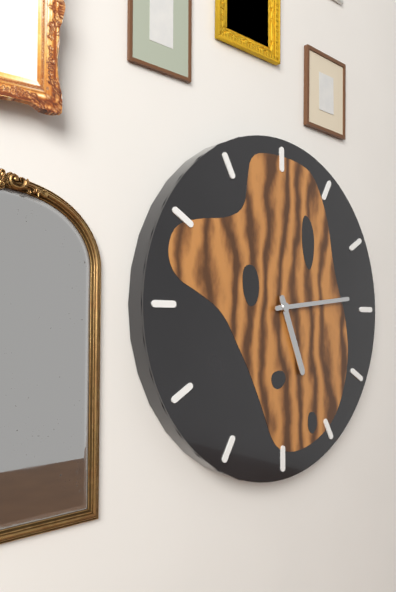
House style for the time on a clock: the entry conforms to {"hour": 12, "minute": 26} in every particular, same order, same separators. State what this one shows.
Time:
{"hour": 5, "minute": 14}
